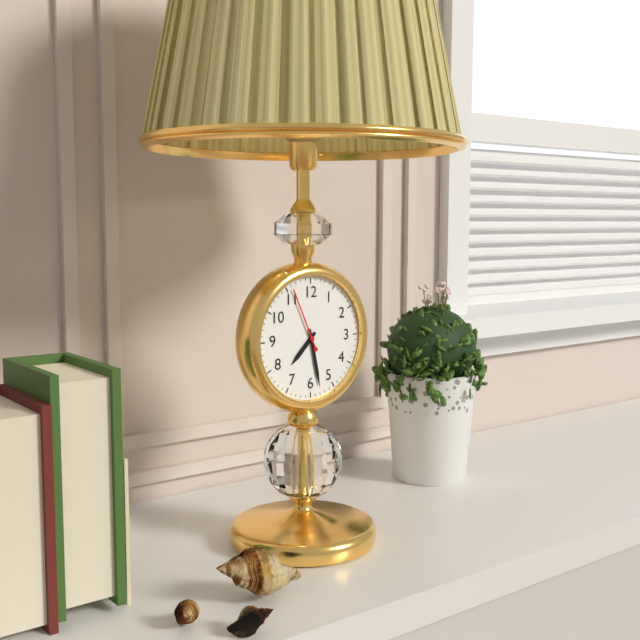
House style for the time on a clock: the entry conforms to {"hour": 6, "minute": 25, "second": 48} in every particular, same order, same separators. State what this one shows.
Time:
{"hour": 7, "minute": 28, "second": 56}
